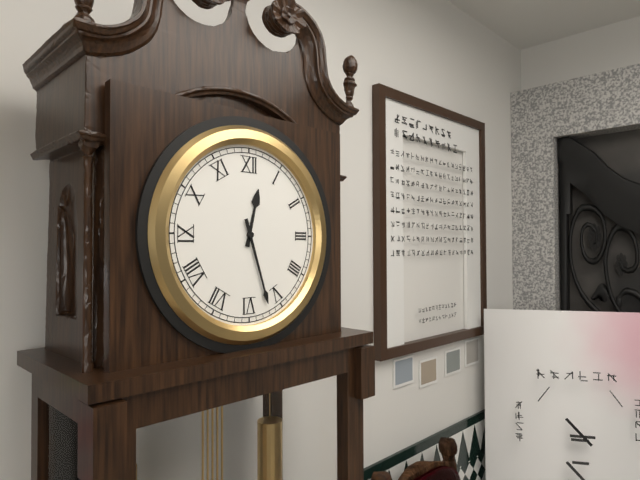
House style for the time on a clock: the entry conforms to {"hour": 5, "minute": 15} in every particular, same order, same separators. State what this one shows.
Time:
{"hour": 12, "minute": 27}
